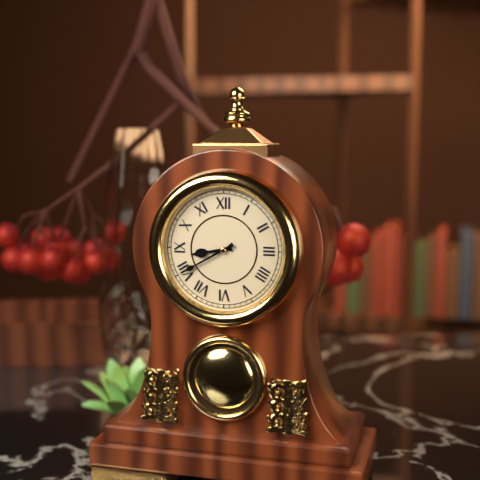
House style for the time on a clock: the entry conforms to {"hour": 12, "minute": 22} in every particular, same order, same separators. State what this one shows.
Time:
{"hour": 8, "minute": 40}
